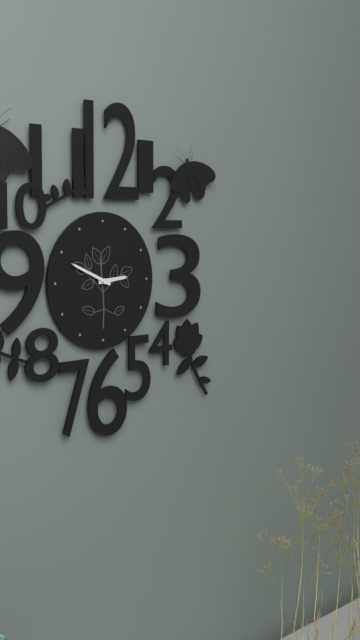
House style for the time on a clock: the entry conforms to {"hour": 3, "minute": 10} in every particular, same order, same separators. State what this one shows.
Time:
{"hour": 2, "minute": 49}
